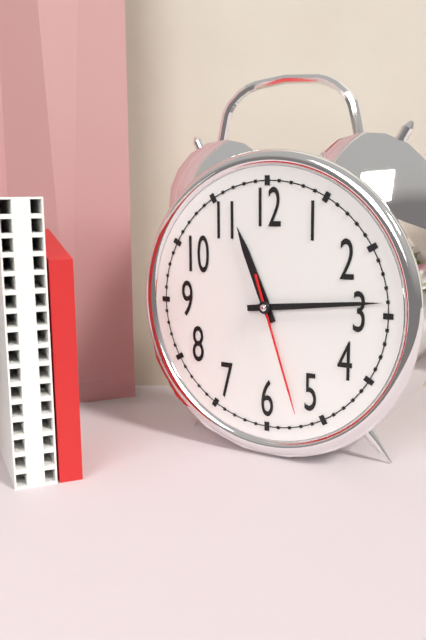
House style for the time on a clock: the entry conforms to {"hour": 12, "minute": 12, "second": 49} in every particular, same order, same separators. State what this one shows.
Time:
{"hour": 11, "minute": 14, "second": 27}
